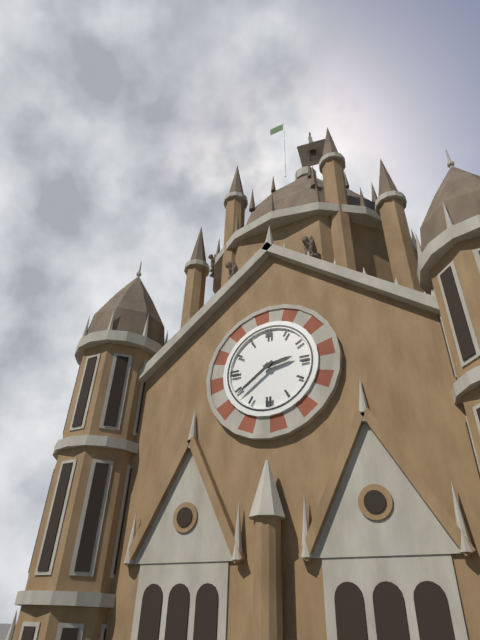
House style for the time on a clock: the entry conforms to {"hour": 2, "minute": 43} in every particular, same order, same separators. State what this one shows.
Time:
{"hour": 2, "minute": 39}
